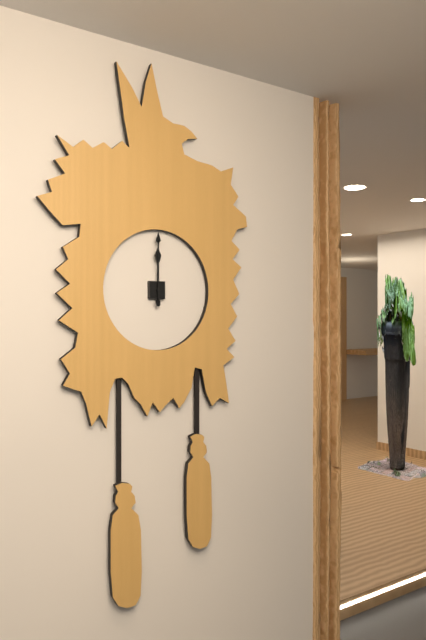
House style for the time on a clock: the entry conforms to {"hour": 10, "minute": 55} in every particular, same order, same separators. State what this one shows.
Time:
{"hour": 12, "minute": 0}
